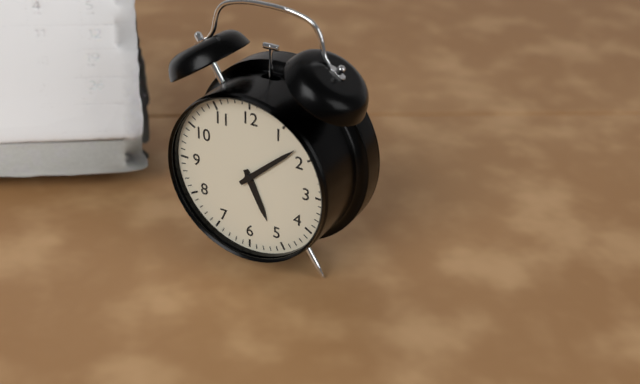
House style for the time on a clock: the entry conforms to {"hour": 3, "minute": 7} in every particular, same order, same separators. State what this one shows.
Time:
{"hour": 5, "minute": 8}
